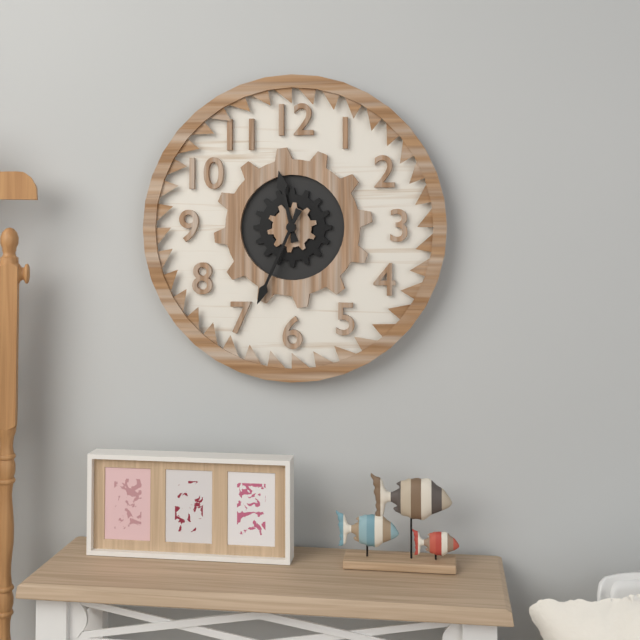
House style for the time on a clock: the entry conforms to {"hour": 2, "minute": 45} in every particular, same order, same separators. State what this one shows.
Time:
{"hour": 11, "minute": 34}
